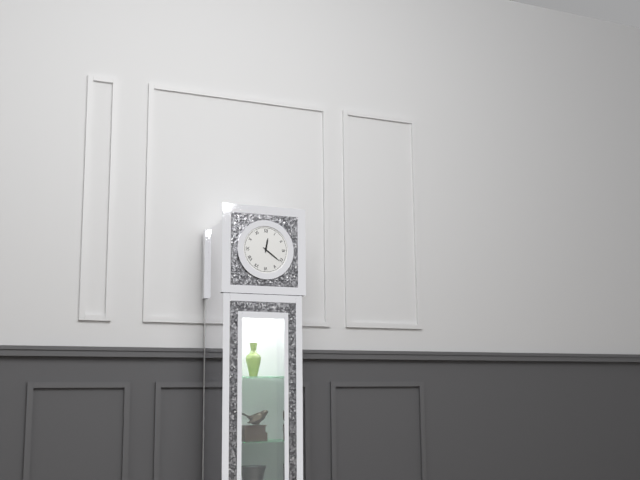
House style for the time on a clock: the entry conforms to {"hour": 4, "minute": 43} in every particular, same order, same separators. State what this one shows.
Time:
{"hour": 12, "minute": 21}
